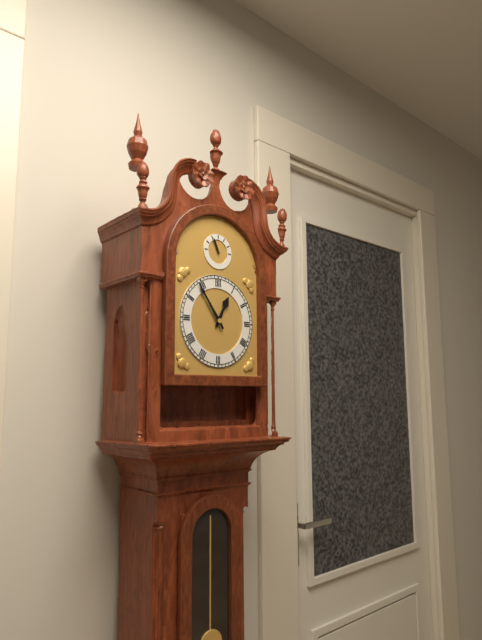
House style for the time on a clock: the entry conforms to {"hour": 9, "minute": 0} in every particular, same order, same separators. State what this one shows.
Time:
{"hour": 12, "minute": 54}
